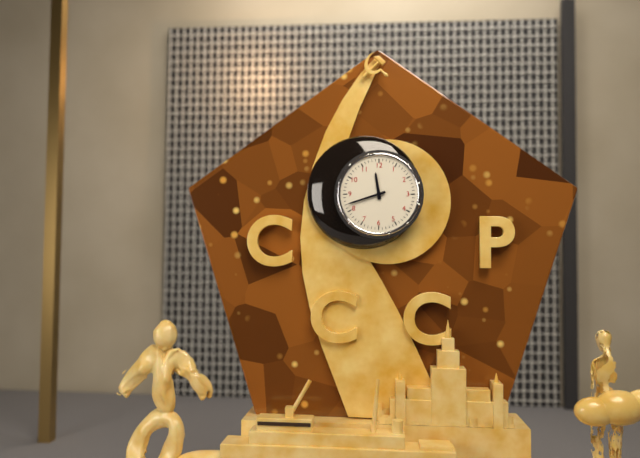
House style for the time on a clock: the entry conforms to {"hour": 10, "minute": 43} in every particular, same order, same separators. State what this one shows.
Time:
{"hour": 11, "minute": 42}
